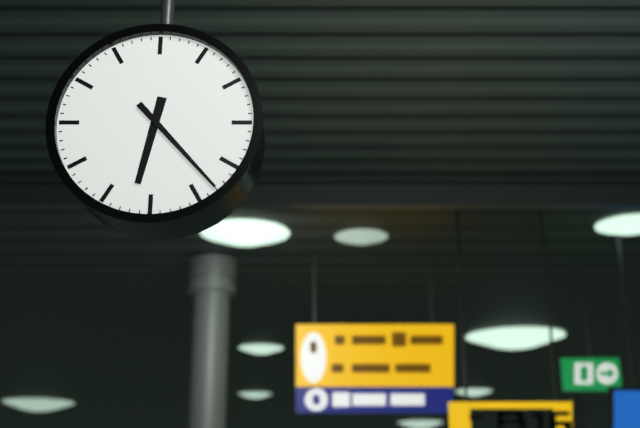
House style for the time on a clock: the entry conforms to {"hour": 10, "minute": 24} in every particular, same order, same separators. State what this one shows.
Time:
{"hour": 6, "minute": 23}
